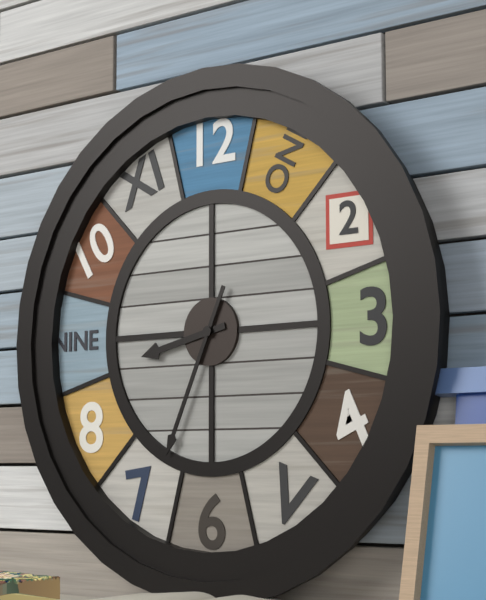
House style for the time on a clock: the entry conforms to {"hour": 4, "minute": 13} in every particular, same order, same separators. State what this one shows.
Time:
{"hour": 8, "minute": 34}
